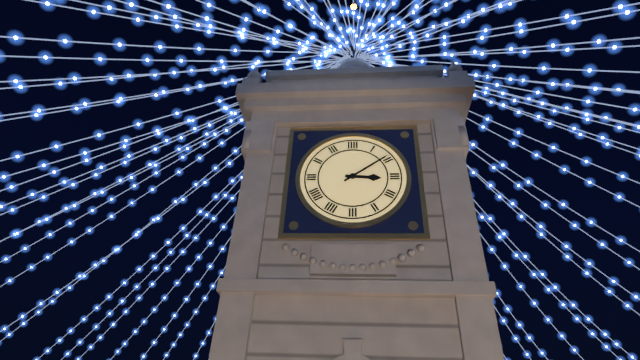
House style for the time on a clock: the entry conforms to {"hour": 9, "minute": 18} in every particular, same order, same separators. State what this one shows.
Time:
{"hour": 3, "minute": 9}
